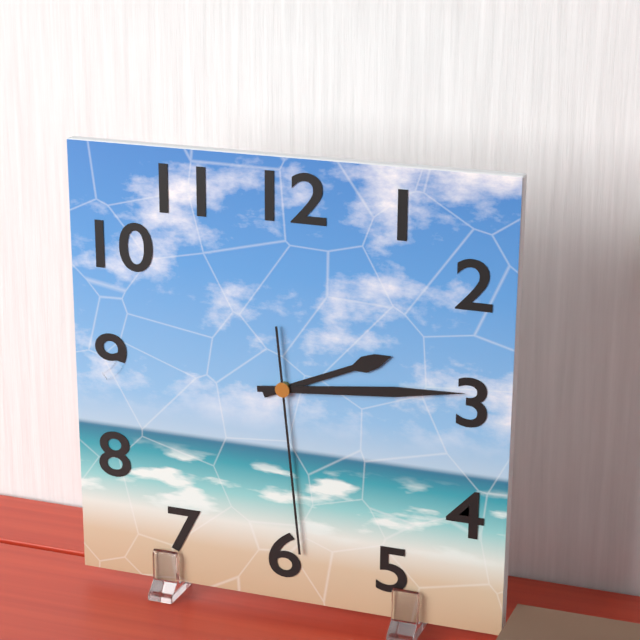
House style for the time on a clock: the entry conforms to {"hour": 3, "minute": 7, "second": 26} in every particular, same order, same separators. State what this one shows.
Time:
{"hour": 2, "minute": 14, "second": 29}
